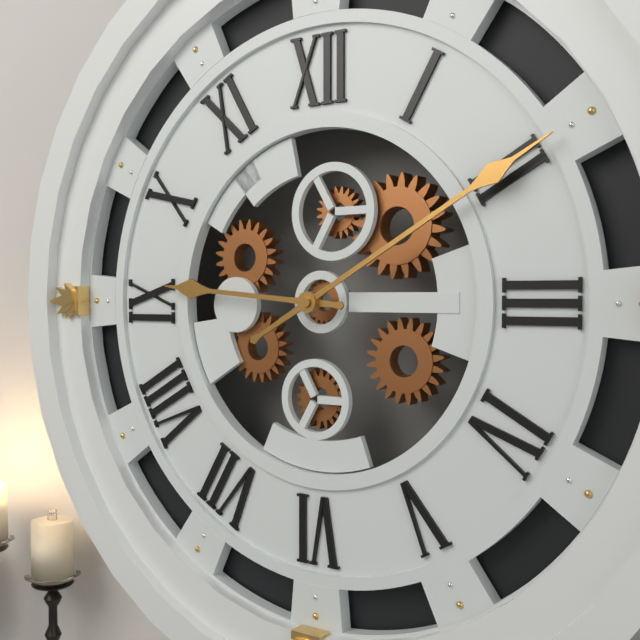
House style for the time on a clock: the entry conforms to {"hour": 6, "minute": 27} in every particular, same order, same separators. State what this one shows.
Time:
{"hour": 9, "minute": 10}
